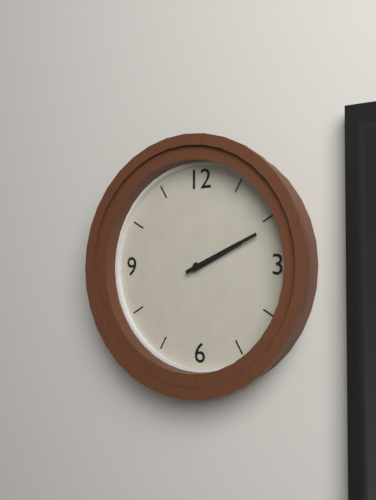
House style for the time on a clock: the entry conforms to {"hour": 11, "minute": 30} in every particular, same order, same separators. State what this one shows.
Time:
{"hour": 2, "minute": 11}
